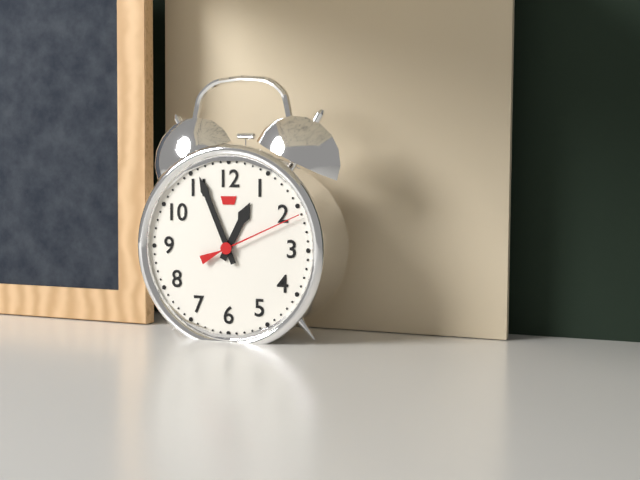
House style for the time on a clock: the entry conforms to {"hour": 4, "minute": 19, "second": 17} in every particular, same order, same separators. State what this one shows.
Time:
{"hour": 12, "minute": 56, "second": 11}
